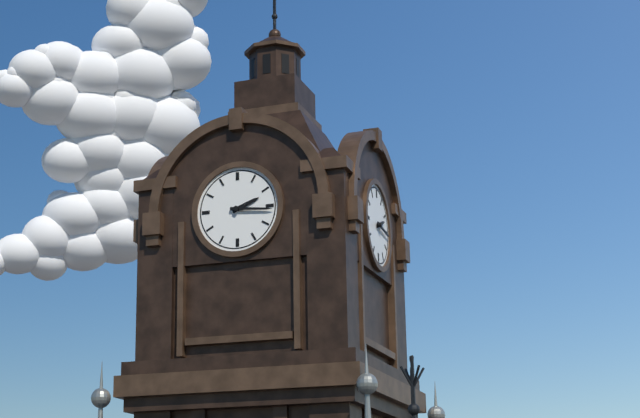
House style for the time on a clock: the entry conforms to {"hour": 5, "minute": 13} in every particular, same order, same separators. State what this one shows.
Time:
{"hour": 2, "minute": 16}
